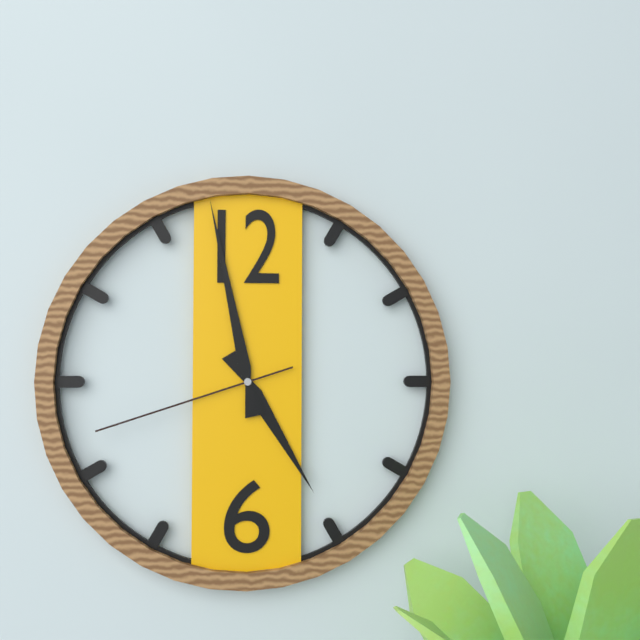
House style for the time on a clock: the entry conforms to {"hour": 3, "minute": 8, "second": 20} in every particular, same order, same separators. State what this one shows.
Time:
{"hour": 4, "minute": 58, "second": 42}
